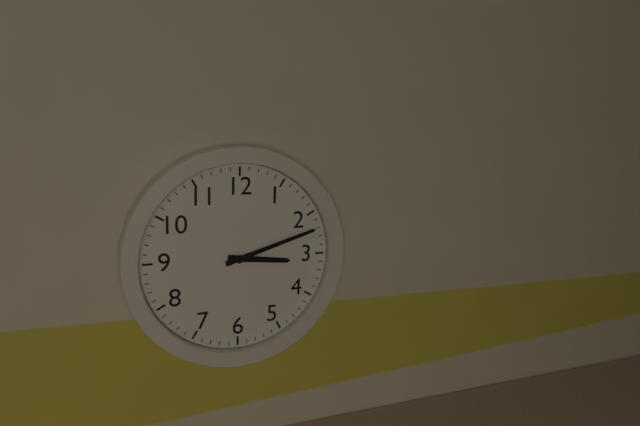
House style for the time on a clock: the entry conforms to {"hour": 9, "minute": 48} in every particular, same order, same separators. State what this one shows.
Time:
{"hour": 3, "minute": 12}
